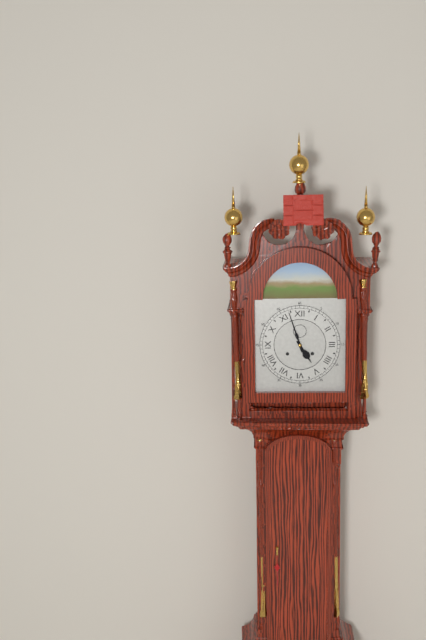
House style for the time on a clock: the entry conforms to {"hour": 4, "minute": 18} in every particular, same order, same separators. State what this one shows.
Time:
{"hour": 4, "minute": 57}
